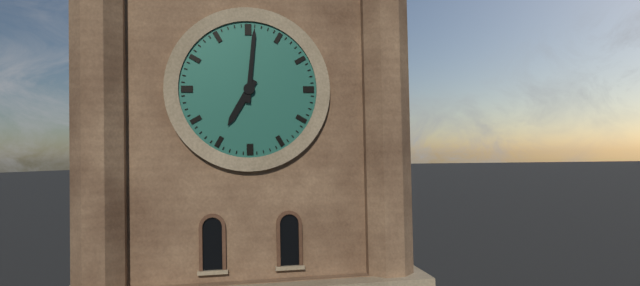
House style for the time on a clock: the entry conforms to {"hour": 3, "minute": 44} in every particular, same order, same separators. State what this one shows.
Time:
{"hour": 7, "minute": 1}
